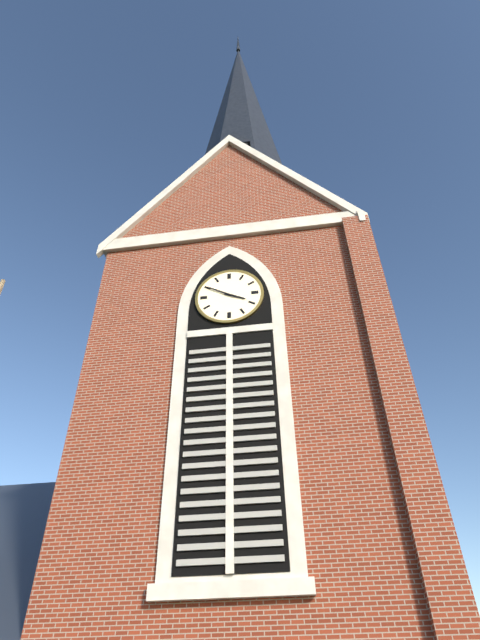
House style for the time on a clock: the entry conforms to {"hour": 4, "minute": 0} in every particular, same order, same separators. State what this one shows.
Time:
{"hour": 3, "minute": 50}
